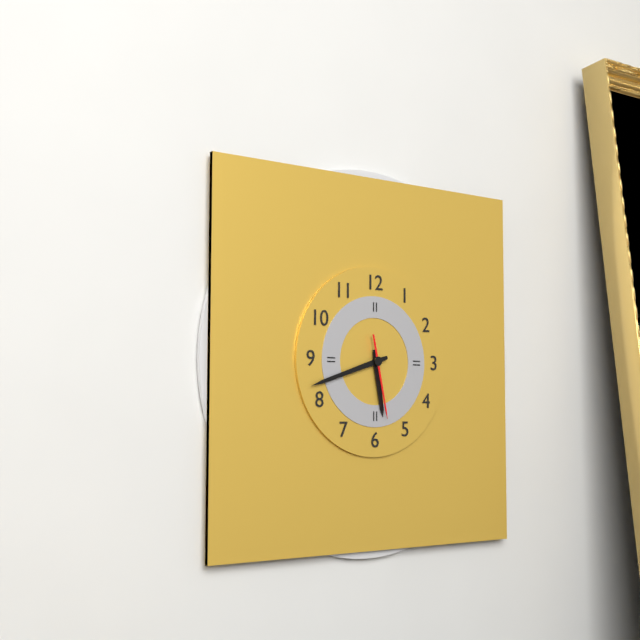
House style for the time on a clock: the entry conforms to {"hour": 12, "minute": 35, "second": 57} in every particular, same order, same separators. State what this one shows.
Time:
{"hour": 5, "minute": 42, "second": 28}
